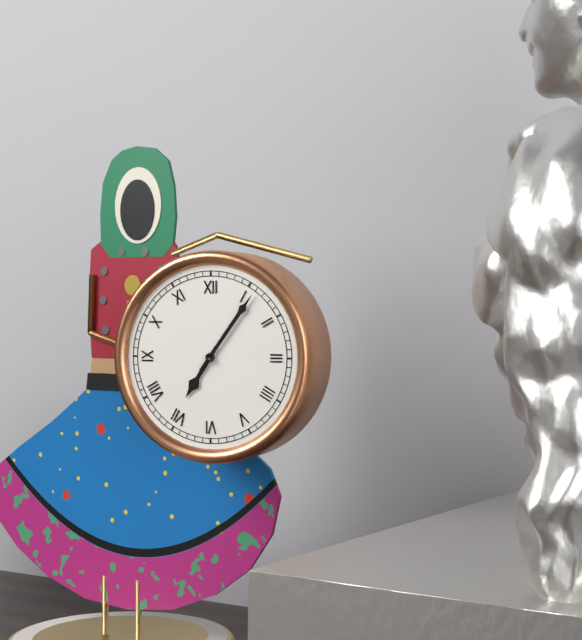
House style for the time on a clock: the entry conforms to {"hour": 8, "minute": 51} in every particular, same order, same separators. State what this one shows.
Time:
{"hour": 7, "minute": 6}
